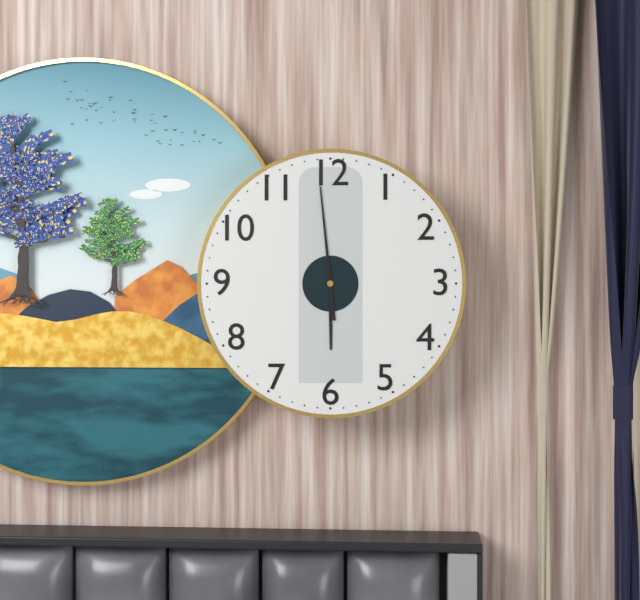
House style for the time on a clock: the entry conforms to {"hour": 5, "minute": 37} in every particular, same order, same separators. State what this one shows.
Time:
{"hour": 5, "minute": 59}
